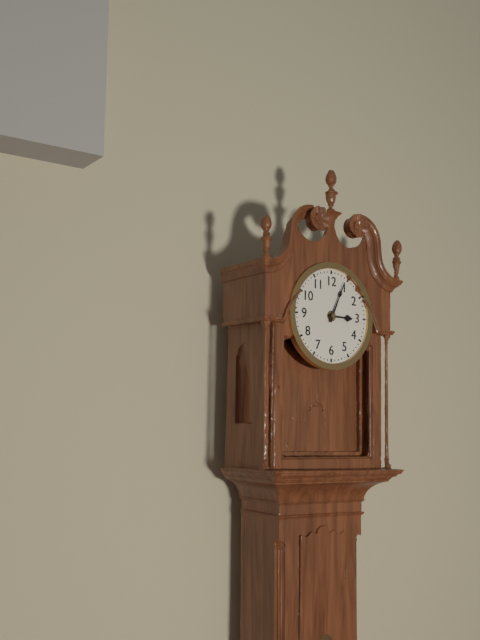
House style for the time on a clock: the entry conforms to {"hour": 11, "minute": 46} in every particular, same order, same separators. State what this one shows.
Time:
{"hour": 3, "minute": 4}
